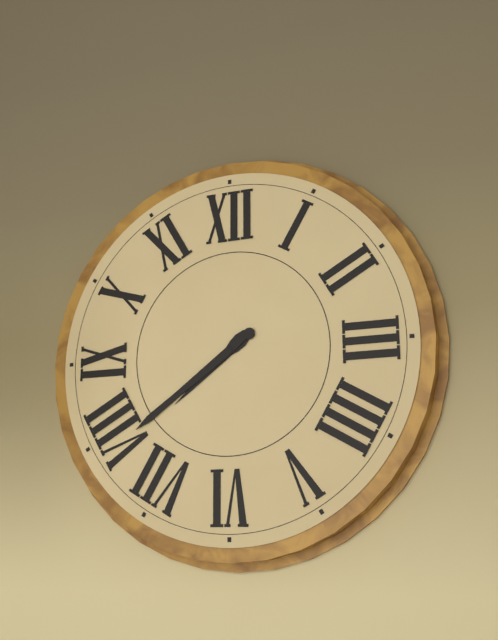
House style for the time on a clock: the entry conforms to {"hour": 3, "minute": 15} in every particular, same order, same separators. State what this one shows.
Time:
{"hour": 7, "minute": 39}
